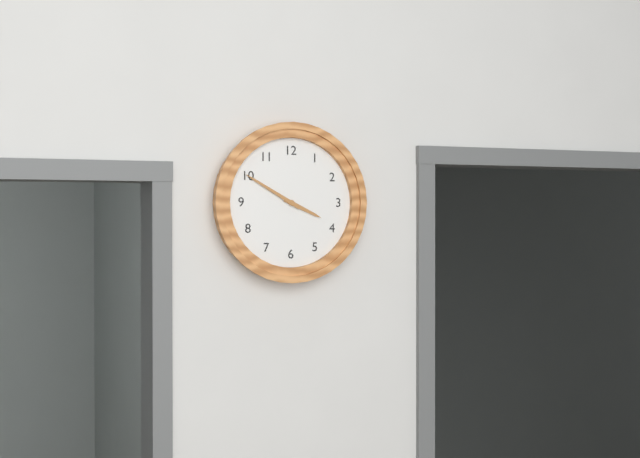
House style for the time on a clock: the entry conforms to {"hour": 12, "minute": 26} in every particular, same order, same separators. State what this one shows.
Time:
{"hour": 3, "minute": 50}
